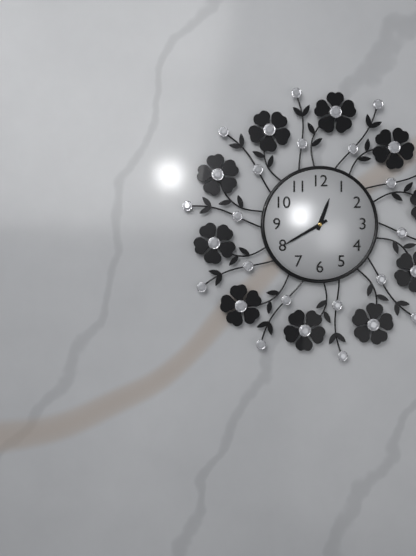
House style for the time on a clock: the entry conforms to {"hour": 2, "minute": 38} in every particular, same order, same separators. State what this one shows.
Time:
{"hour": 12, "minute": 40}
